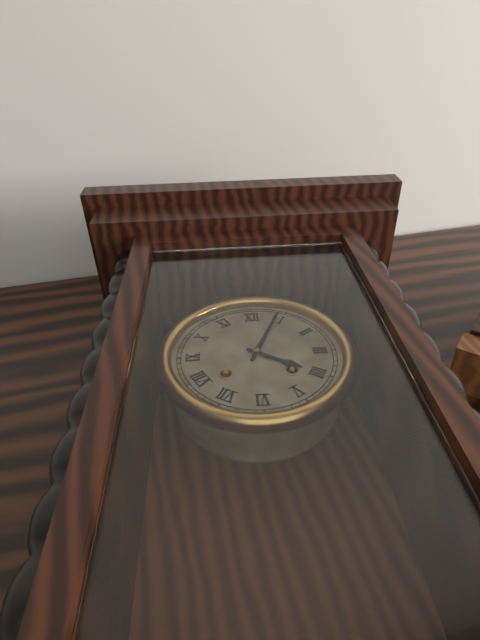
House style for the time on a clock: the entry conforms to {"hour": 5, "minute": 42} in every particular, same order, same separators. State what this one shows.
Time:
{"hour": 4, "minute": 4}
